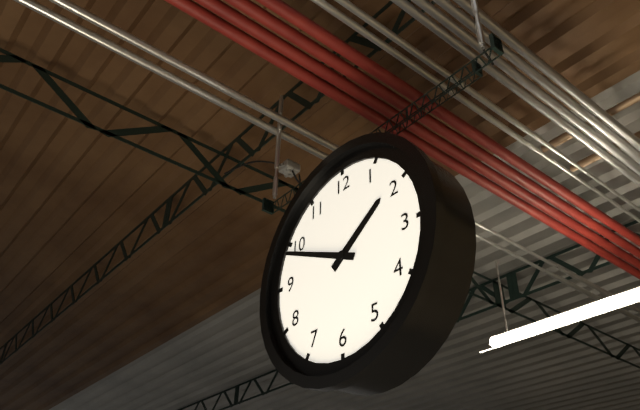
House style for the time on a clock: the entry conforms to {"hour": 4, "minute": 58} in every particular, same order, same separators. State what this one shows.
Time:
{"hour": 1, "minute": 49}
